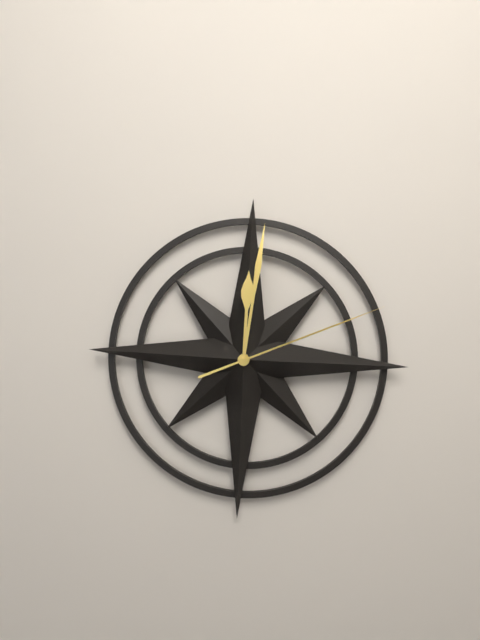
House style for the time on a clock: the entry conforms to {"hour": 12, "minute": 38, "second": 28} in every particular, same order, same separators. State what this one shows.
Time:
{"hour": 12, "minute": 1, "second": 11}
